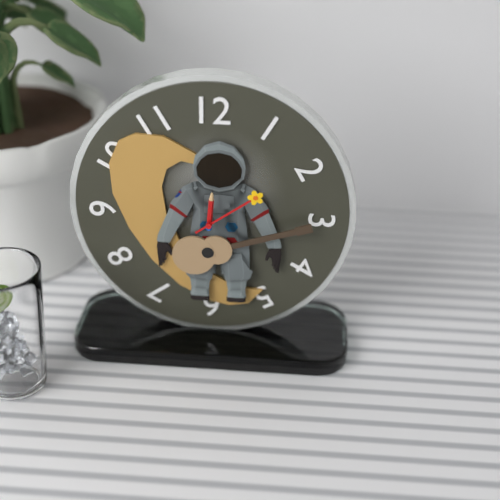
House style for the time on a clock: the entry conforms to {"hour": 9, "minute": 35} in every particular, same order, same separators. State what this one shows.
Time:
{"hour": 12, "minute": 9}
